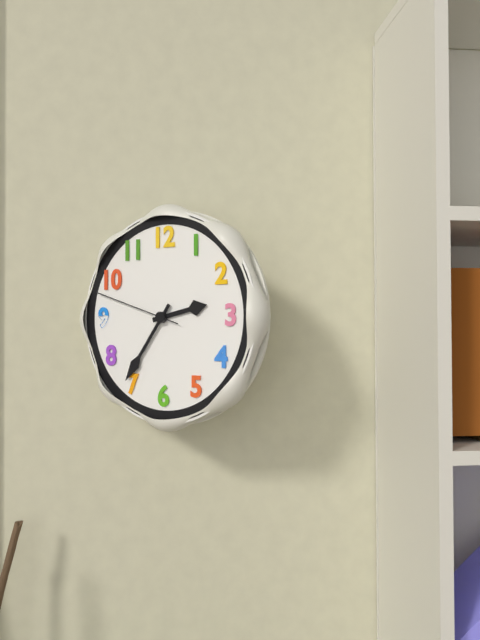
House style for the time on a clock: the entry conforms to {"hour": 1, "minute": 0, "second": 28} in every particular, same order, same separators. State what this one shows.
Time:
{"hour": 2, "minute": 36, "second": 48}
